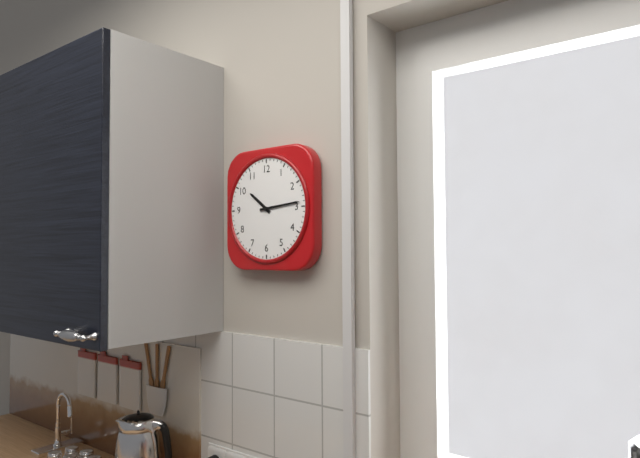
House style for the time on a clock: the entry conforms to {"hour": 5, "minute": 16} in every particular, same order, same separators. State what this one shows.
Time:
{"hour": 10, "minute": 14}
